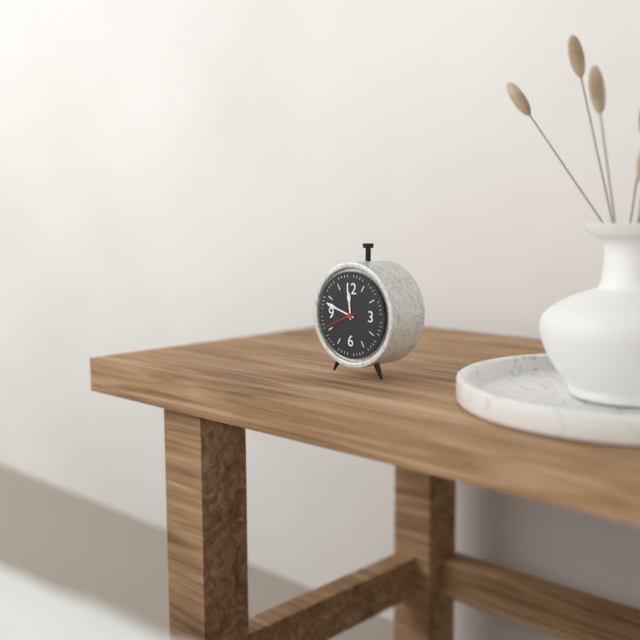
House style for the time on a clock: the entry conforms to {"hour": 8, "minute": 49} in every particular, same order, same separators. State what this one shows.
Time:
{"hour": 11, "minute": 48}
